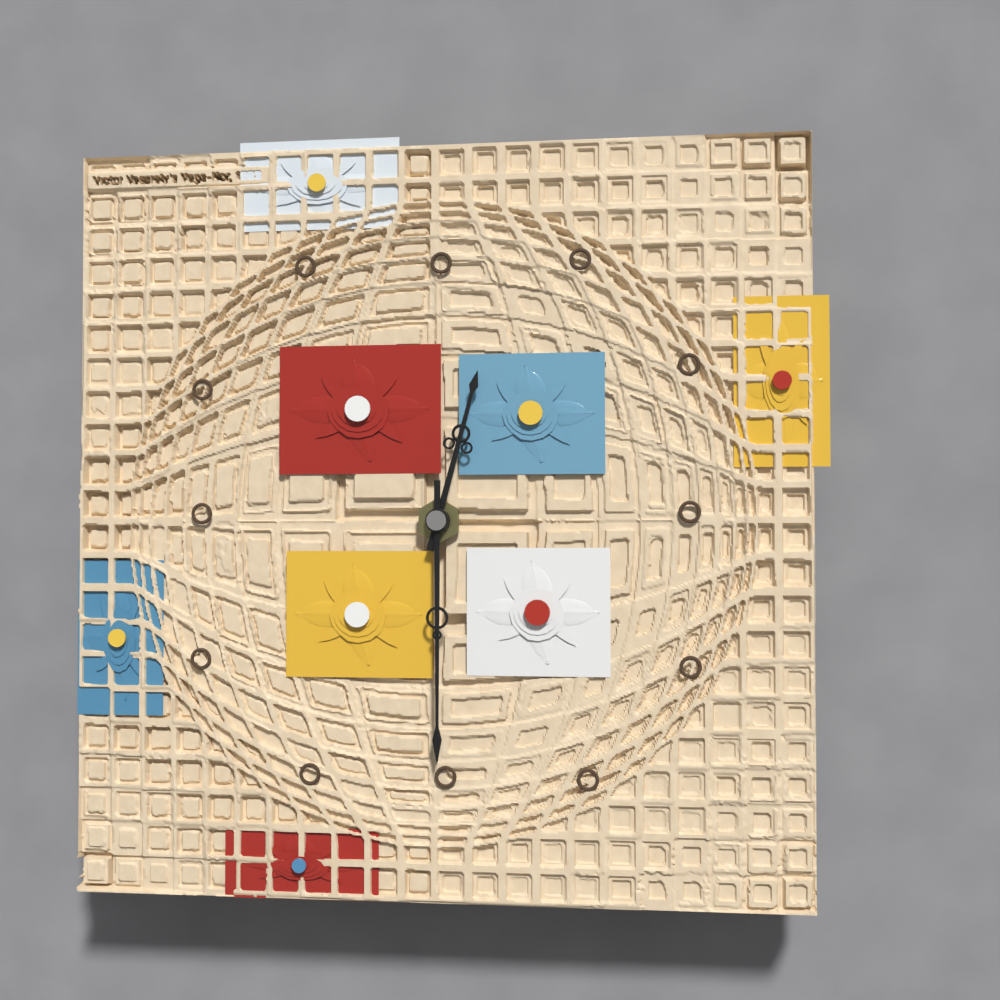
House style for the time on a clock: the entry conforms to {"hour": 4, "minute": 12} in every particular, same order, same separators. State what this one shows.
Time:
{"hour": 12, "minute": 30}
